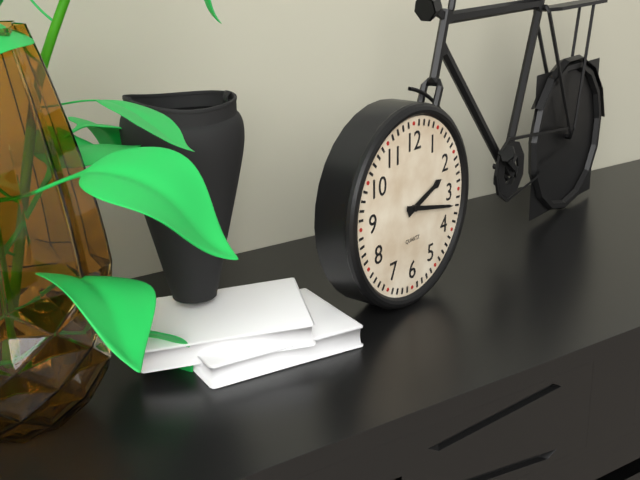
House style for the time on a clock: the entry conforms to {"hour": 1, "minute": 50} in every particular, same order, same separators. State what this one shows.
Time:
{"hour": 2, "minute": 17}
